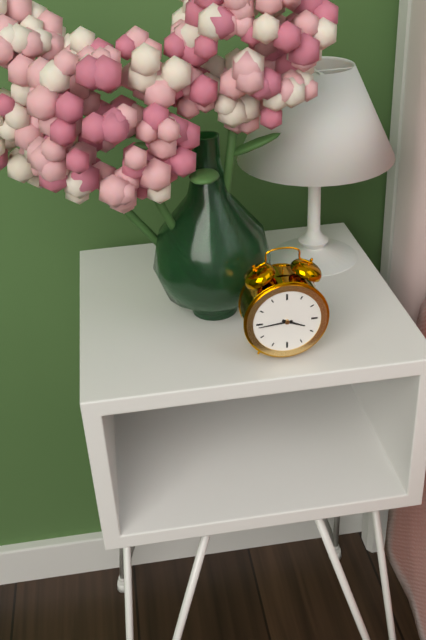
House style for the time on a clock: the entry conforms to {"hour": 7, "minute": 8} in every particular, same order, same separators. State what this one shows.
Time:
{"hour": 3, "minute": 44}
